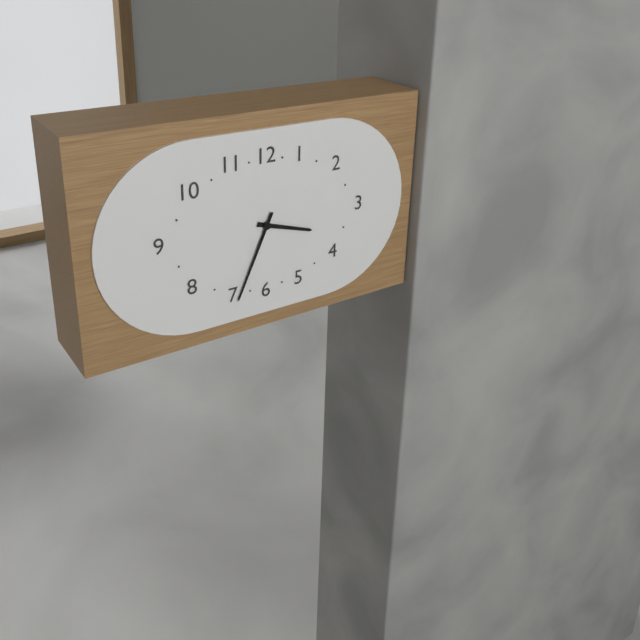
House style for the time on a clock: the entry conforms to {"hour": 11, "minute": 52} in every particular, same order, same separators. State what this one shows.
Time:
{"hour": 3, "minute": 34}
